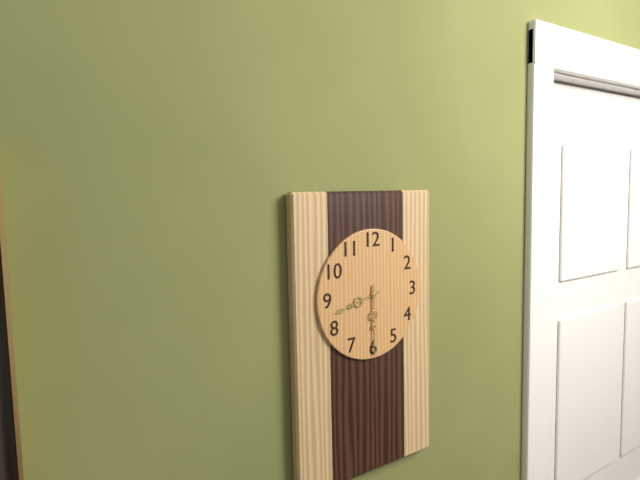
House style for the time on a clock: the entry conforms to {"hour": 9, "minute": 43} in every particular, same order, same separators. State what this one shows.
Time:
{"hour": 8, "minute": 30}
